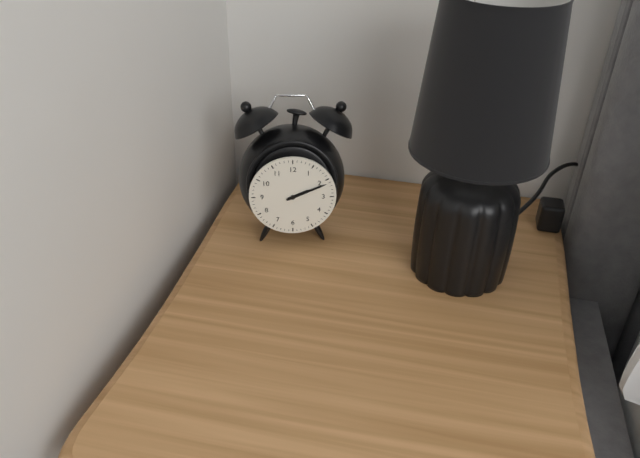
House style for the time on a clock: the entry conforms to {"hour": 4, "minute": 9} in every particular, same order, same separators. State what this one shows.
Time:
{"hour": 2, "minute": 11}
